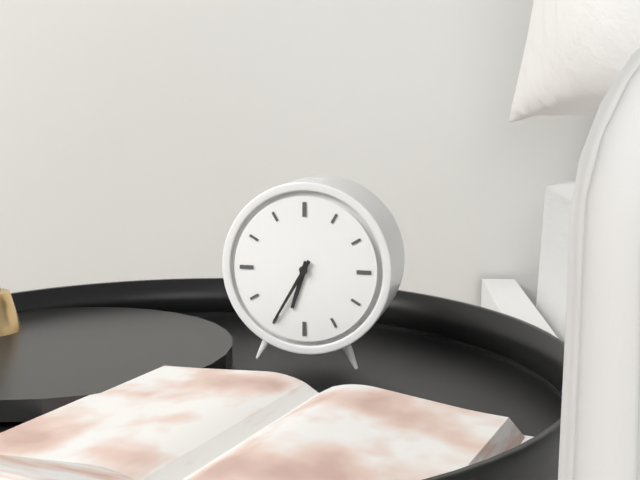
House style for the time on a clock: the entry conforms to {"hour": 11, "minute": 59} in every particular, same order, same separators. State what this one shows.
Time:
{"hour": 6, "minute": 35}
